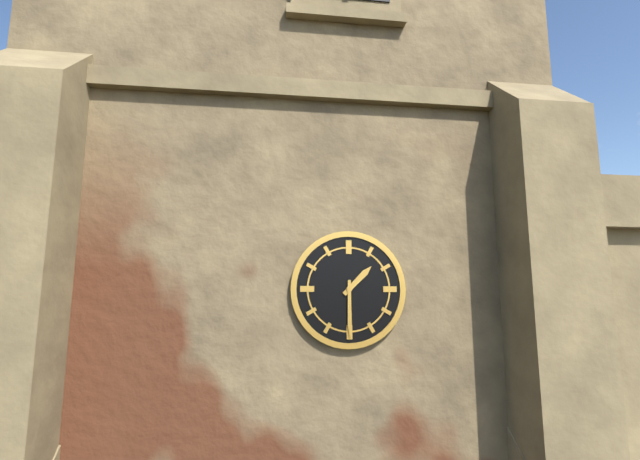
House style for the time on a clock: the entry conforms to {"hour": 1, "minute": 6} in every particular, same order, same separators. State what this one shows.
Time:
{"hour": 1, "minute": 30}
